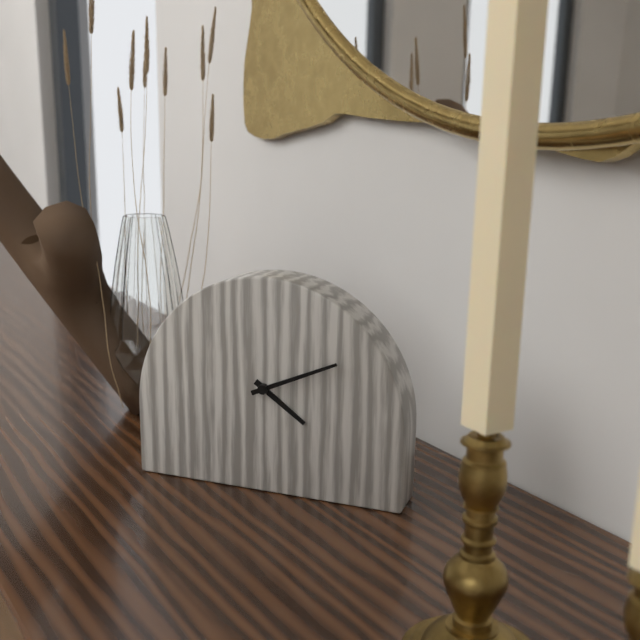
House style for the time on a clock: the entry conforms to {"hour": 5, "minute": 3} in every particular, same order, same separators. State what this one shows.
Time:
{"hour": 4, "minute": 11}
